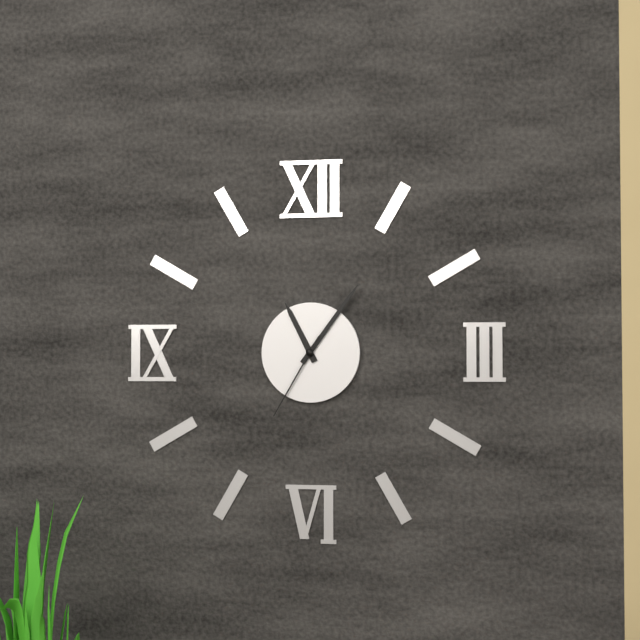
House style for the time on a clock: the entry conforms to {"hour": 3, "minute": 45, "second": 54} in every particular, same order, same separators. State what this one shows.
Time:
{"hour": 11, "minute": 6, "second": 35}
